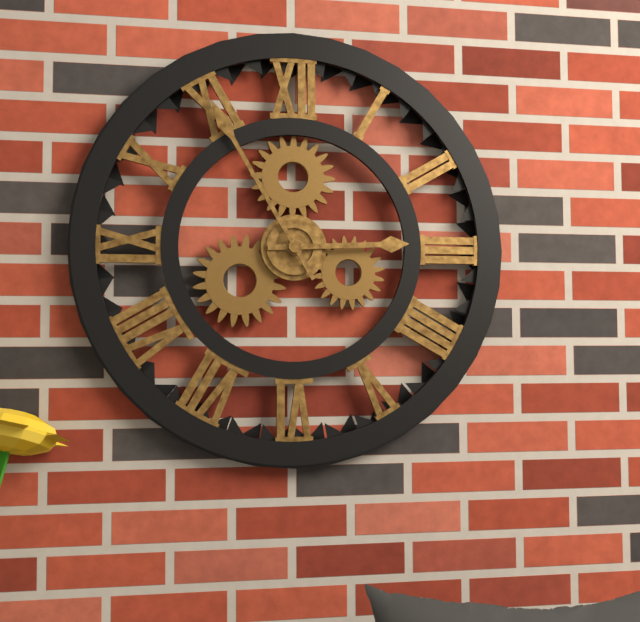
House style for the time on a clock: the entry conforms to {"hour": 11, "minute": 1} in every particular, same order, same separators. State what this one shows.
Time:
{"hour": 2, "minute": 55}
